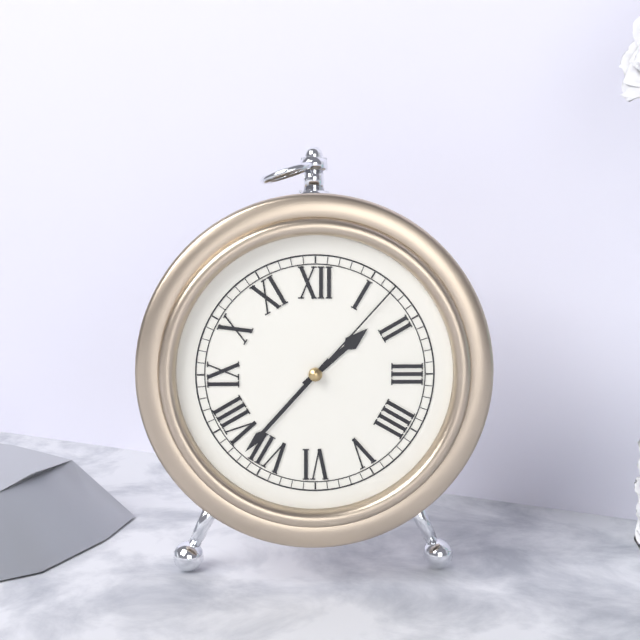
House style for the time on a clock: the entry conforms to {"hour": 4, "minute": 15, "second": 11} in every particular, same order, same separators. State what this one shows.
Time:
{"hour": 1, "minute": 37, "second": 7}
